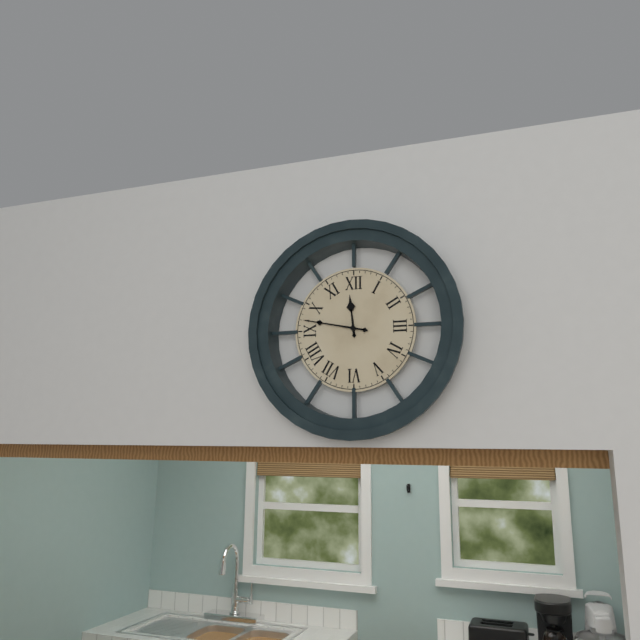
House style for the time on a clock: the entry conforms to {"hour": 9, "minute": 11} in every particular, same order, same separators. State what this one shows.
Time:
{"hour": 11, "minute": 47}
